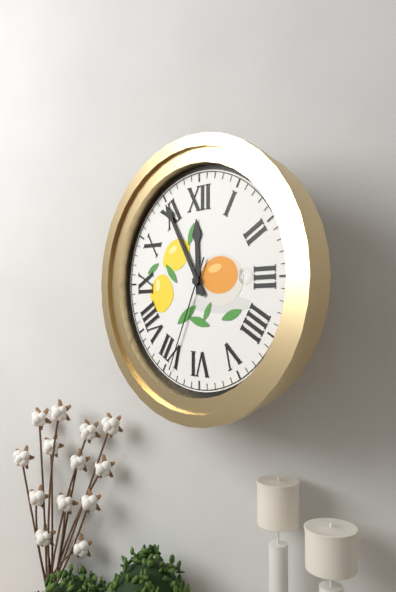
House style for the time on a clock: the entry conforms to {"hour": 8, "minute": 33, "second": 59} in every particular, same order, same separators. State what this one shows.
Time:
{"hour": 11, "minute": 55, "second": 34}
